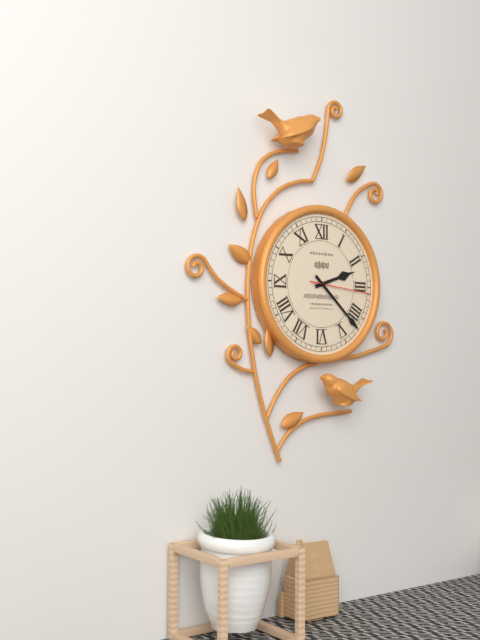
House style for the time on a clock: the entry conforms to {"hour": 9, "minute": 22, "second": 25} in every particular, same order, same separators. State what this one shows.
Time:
{"hour": 2, "minute": 22, "second": 16}
